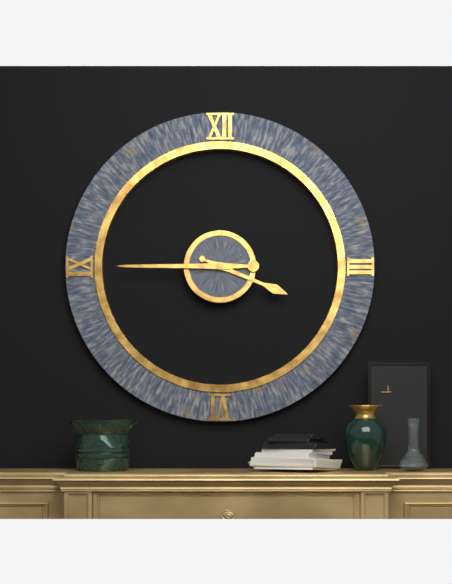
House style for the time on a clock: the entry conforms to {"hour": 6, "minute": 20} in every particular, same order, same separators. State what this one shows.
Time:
{"hour": 3, "minute": 45}
